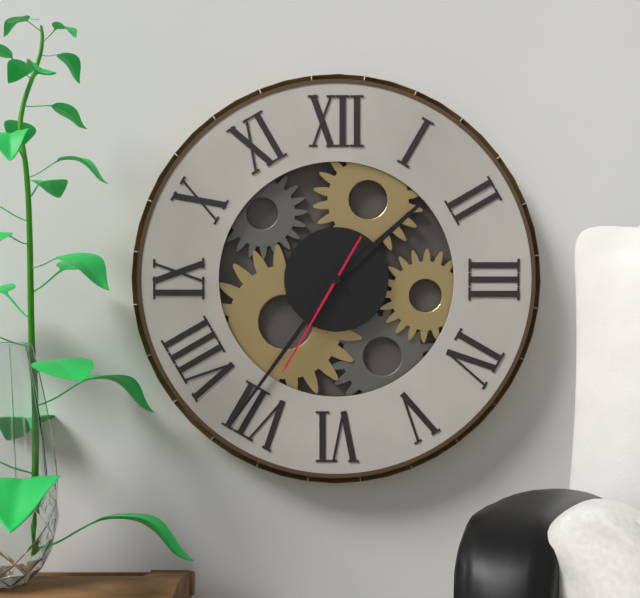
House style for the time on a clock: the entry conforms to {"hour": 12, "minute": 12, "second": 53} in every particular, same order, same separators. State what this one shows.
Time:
{"hour": 1, "minute": 36, "second": 35}
